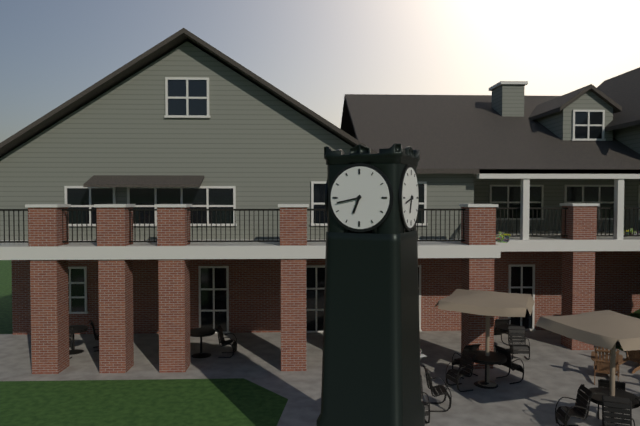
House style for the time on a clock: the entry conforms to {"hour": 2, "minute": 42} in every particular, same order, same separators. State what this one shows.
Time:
{"hour": 6, "minute": 43}
